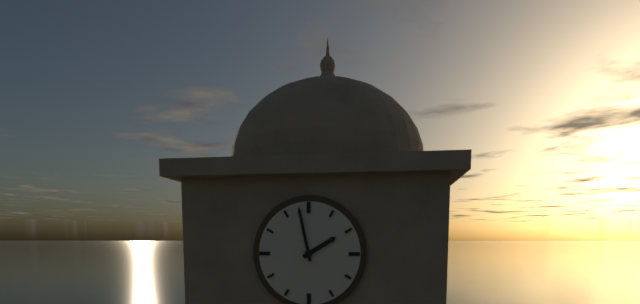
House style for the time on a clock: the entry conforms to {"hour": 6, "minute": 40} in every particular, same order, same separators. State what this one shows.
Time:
{"hour": 1, "minute": 58}
